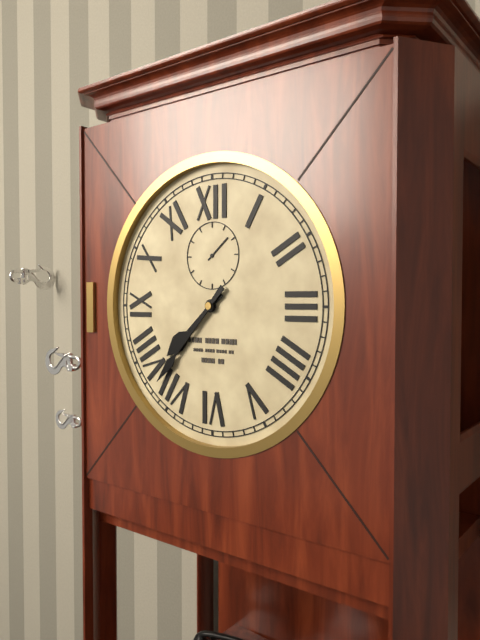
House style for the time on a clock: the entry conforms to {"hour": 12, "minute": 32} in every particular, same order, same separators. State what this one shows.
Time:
{"hour": 7, "minute": 37}
